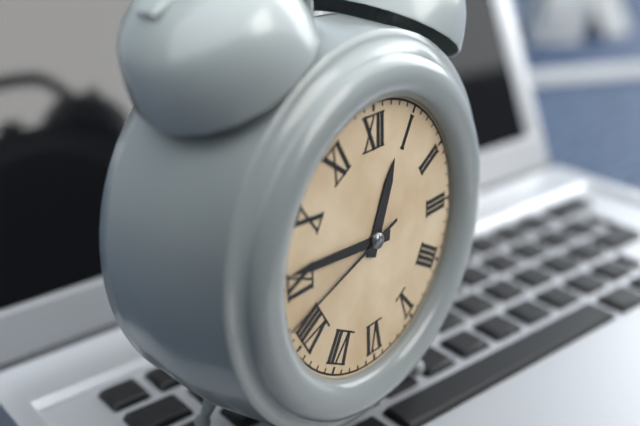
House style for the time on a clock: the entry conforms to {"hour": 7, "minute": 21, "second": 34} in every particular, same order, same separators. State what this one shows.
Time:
{"hour": 12, "minute": 46, "second": 42}
